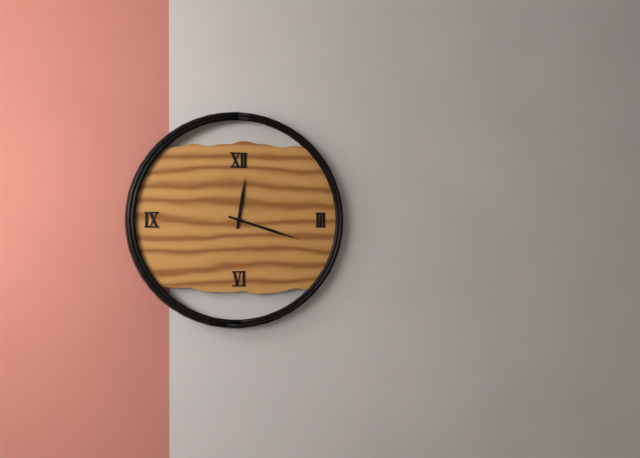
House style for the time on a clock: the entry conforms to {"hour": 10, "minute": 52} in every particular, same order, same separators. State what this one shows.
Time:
{"hour": 12, "minute": 18}
